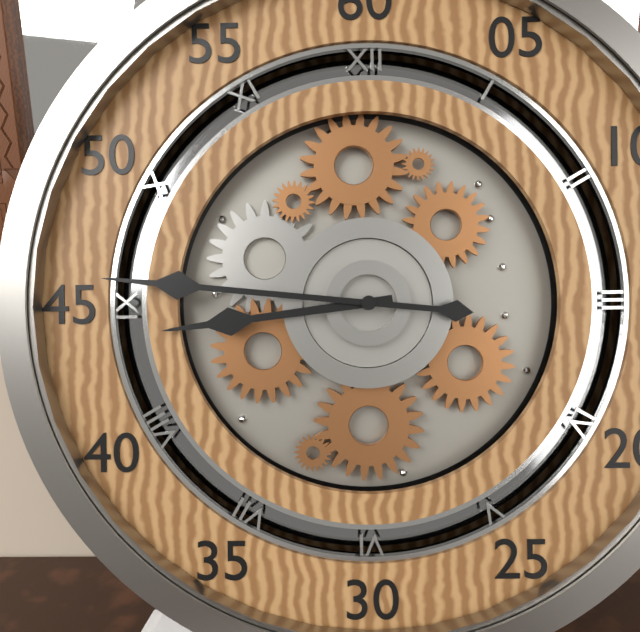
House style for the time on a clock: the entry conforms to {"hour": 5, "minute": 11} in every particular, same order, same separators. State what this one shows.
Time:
{"hour": 8, "minute": 46}
